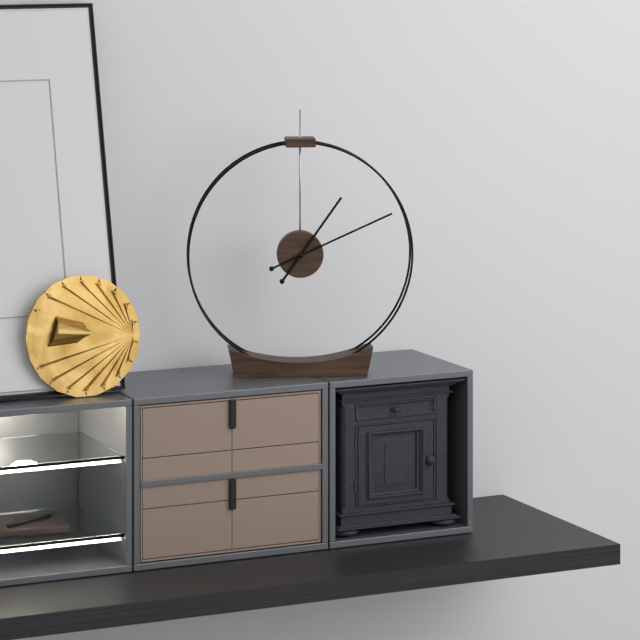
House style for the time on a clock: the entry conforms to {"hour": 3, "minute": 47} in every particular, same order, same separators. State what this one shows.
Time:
{"hour": 1, "minute": 11}
